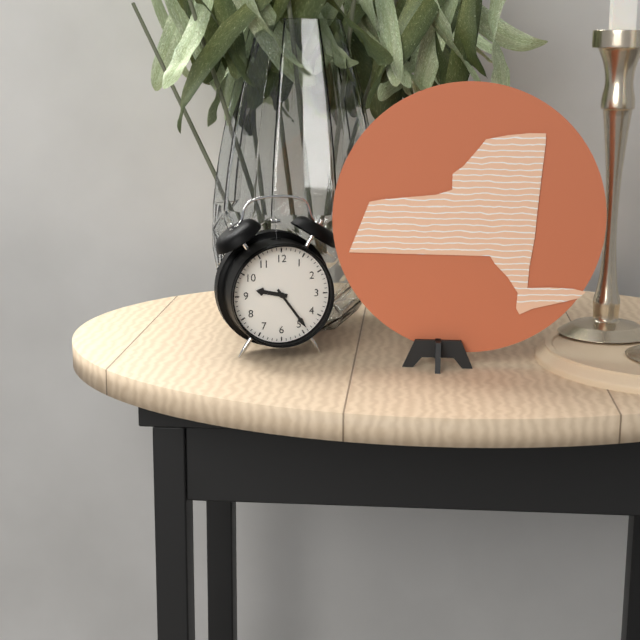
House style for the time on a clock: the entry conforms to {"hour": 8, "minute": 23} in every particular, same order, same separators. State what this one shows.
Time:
{"hour": 9, "minute": 24}
